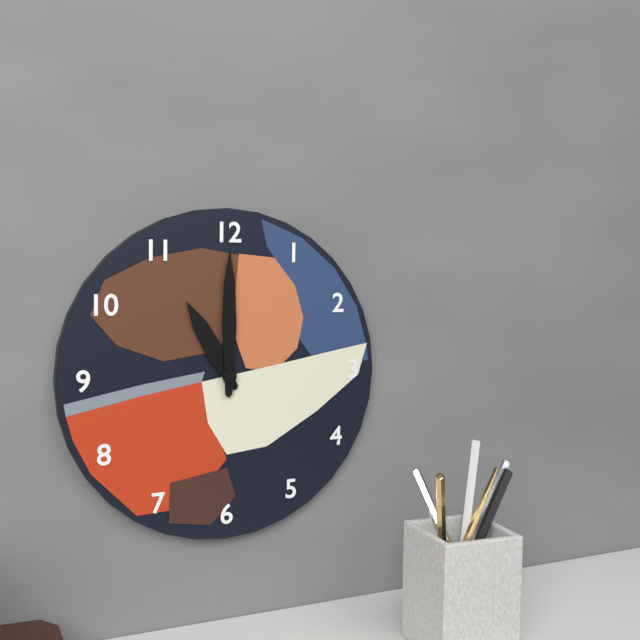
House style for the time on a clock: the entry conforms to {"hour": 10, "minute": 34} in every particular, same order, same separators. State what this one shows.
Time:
{"hour": 11, "minute": 0}
